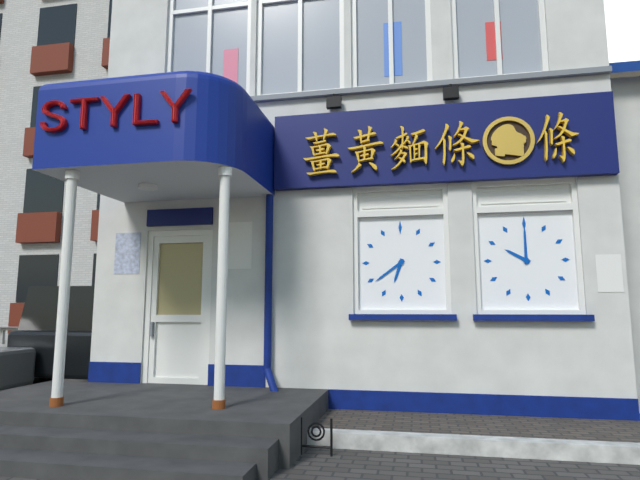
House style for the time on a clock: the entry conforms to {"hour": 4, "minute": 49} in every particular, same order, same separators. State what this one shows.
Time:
{"hour": 6, "minute": 39}
